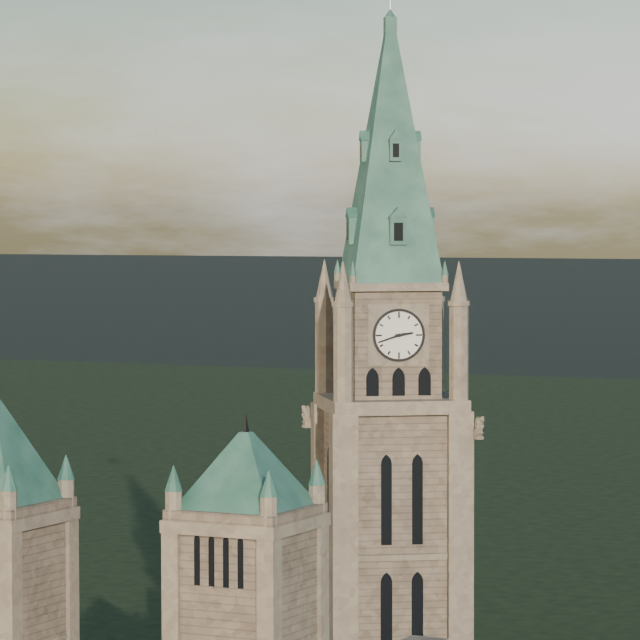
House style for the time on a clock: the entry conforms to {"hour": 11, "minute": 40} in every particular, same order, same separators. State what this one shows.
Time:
{"hour": 2, "minute": 42}
